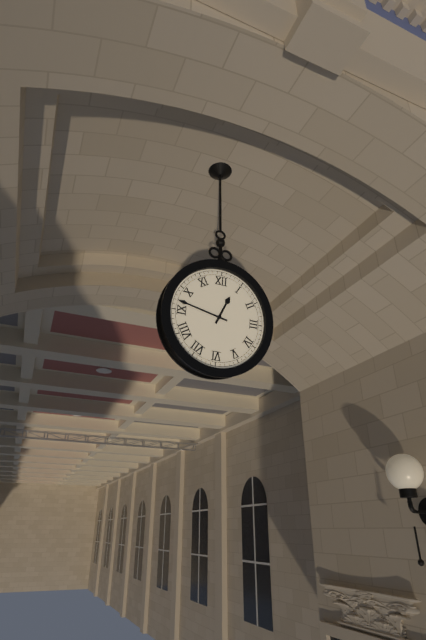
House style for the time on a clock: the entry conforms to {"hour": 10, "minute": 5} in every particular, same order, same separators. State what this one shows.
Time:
{"hour": 12, "minute": 47}
